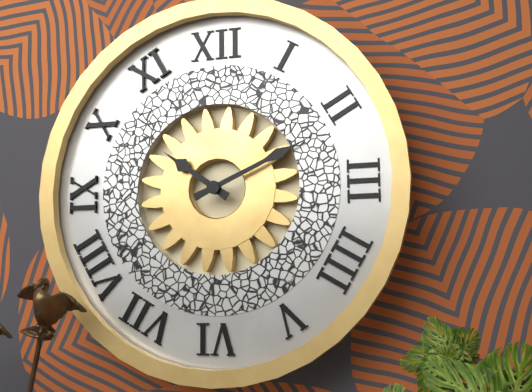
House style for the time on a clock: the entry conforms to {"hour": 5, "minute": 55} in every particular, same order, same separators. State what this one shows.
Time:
{"hour": 10, "minute": 11}
